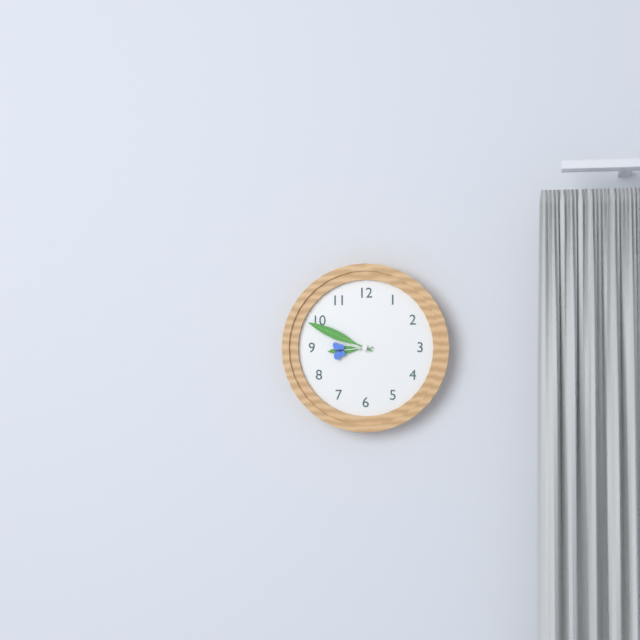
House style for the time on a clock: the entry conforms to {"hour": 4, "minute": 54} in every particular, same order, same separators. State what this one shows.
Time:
{"hour": 8, "minute": 49}
